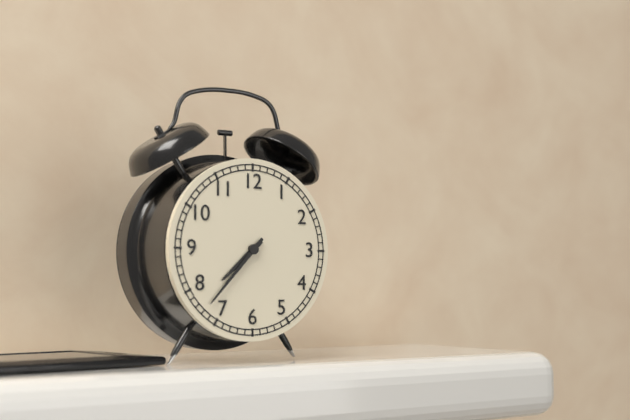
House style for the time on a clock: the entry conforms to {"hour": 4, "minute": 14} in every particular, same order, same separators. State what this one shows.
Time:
{"hour": 7, "minute": 37}
